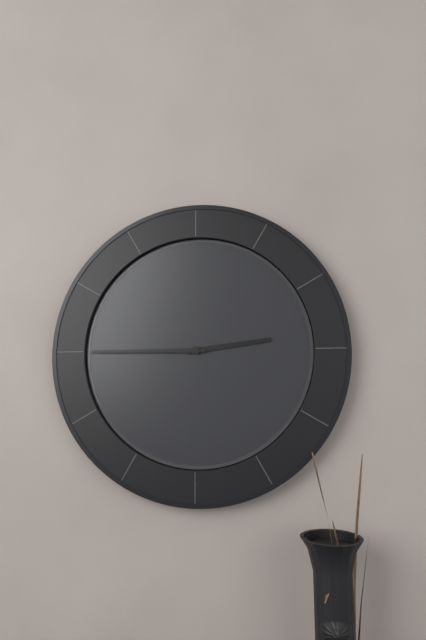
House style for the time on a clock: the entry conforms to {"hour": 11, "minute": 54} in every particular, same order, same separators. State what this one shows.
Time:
{"hour": 2, "minute": 45}
